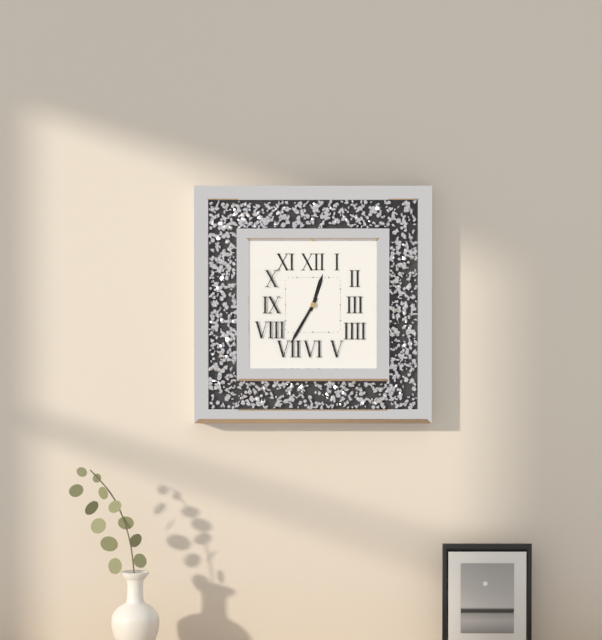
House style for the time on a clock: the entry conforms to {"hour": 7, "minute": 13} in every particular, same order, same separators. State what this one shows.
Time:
{"hour": 12, "minute": 35}
